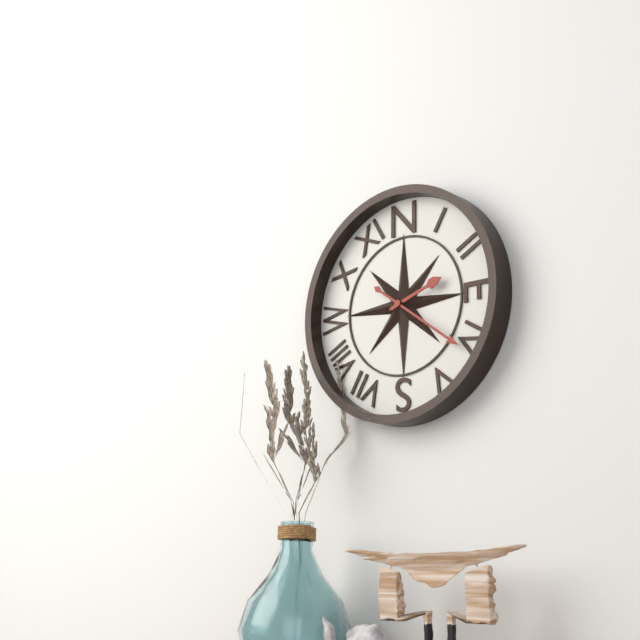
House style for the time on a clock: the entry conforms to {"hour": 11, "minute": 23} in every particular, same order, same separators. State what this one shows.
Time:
{"hour": 2, "minute": 21}
